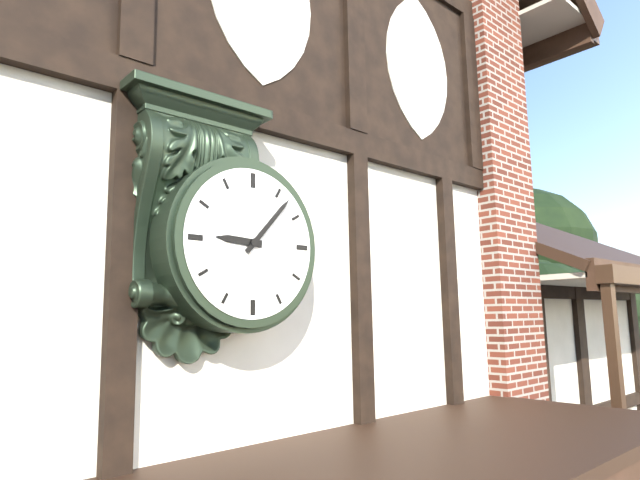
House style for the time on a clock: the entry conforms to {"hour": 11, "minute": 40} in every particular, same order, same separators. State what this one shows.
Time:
{"hour": 9, "minute": 7}
